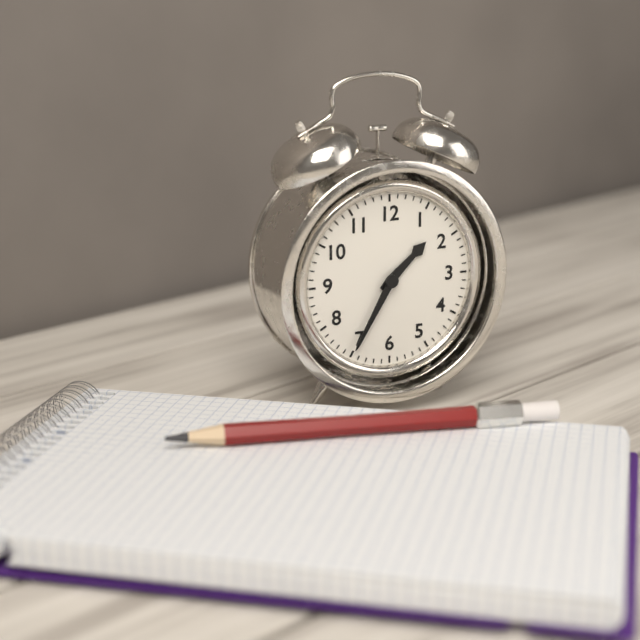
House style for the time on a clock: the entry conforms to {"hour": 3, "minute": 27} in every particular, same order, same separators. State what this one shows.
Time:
{"hour": 1, "minute": 35}
